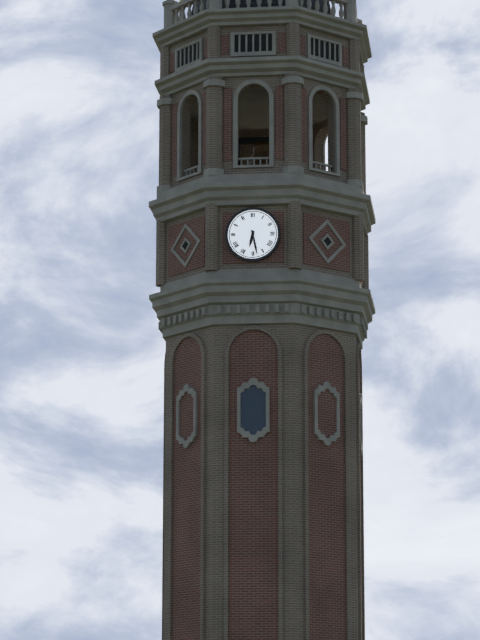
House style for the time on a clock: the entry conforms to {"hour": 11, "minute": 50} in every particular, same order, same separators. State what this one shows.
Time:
{"hour": 6, "minute": 28}
